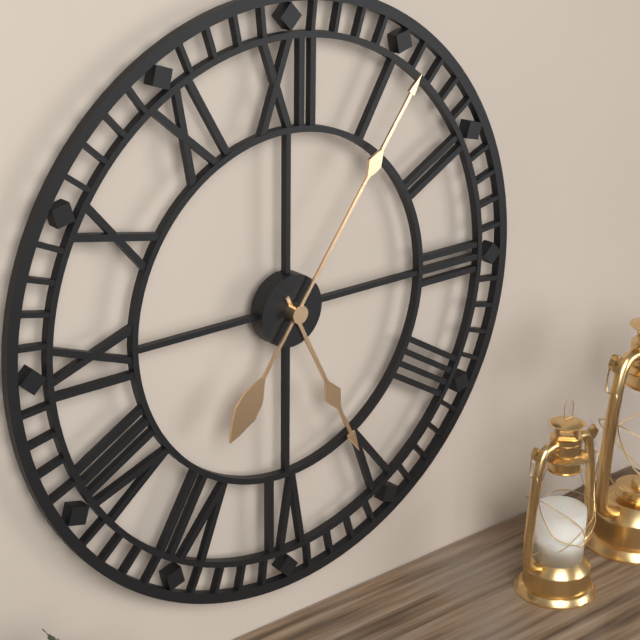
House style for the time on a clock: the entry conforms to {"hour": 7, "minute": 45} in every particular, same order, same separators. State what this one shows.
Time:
{"hour": 5, "minute": 6}
